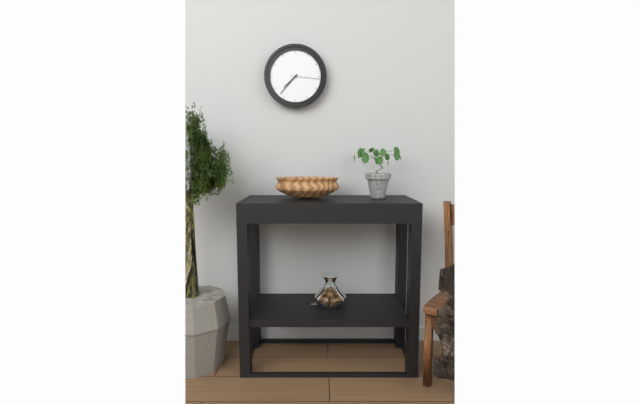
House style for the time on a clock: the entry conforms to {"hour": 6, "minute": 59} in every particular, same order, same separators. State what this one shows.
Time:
{"hour": 7, "minute": 37}
